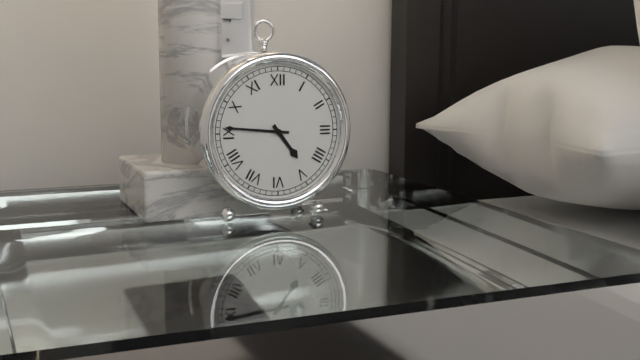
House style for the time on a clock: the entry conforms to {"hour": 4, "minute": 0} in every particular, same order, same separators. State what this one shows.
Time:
{"hour": 4, "minute": 46}
